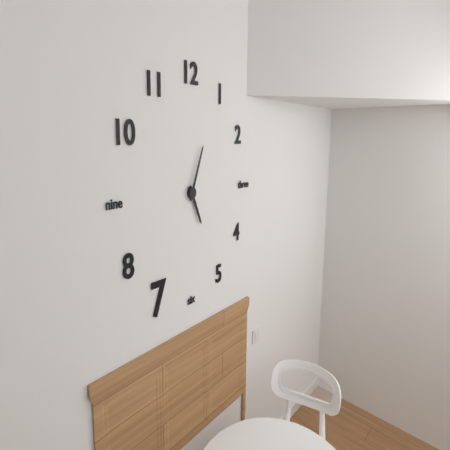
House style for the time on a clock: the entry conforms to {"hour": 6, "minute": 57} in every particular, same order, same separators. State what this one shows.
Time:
{"hour": 5, "minute": 4}
